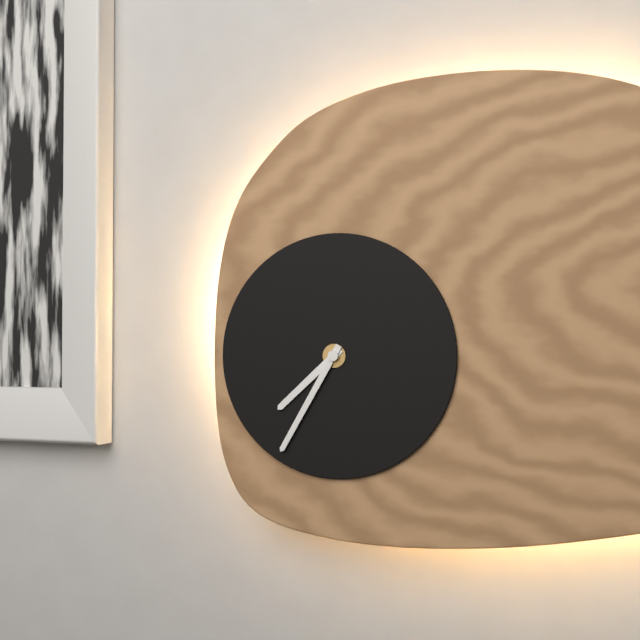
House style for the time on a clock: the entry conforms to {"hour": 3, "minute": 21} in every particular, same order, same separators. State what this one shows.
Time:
{"hour": 7, "minute": 35}
